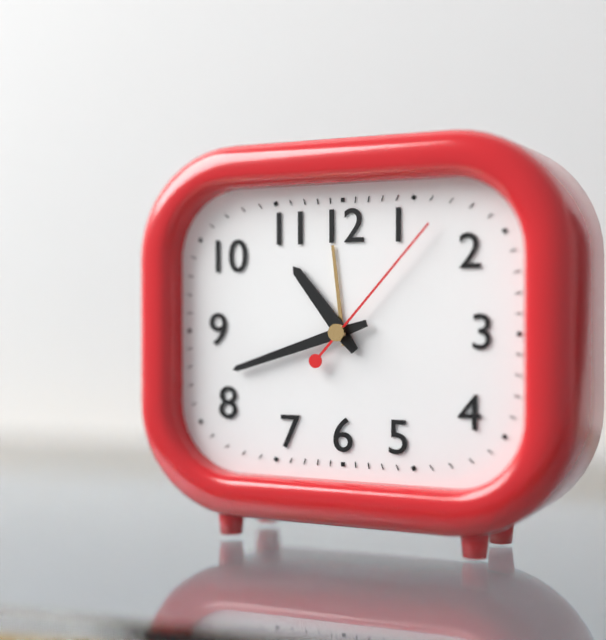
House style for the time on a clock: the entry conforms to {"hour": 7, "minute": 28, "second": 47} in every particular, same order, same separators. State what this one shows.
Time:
{"hour": 10, "minute": 42, "second": 7}
